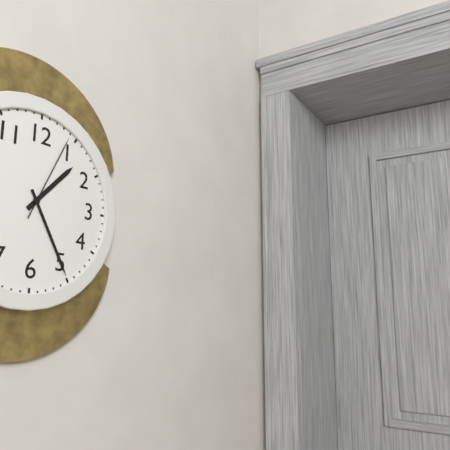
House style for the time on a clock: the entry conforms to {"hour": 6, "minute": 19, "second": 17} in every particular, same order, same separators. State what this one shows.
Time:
{"hour": 1, "minute": 25, "second": 4}
